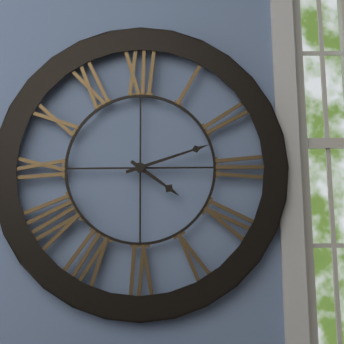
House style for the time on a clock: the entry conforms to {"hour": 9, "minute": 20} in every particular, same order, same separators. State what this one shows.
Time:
{"hour": 4, "minute": 12}
